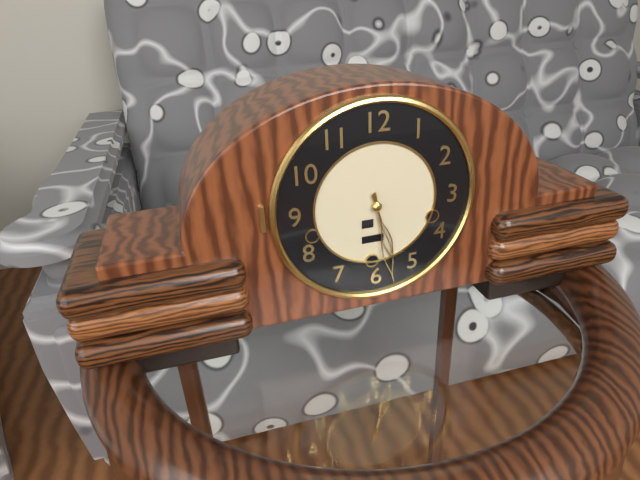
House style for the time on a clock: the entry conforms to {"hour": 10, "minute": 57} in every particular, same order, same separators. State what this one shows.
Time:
{"hour": 5, "minute": 28}
